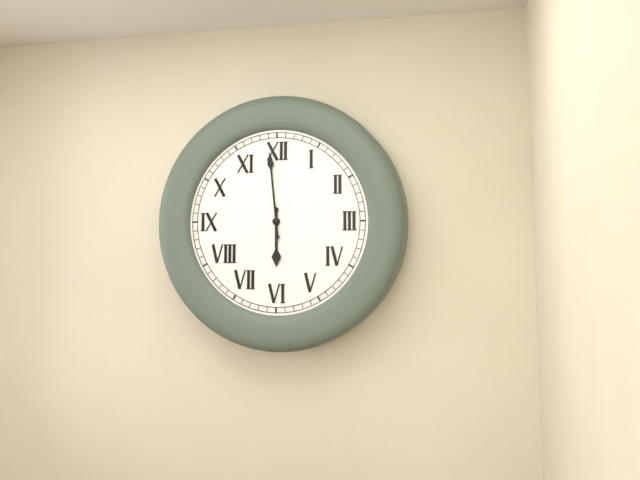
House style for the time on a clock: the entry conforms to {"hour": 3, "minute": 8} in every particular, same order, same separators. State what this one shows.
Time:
{"hour": 5, "minute": 59}
